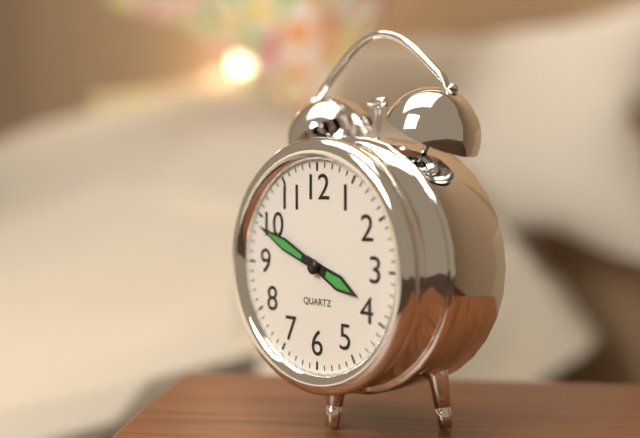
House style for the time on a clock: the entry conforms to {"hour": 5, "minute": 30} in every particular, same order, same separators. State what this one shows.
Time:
{"hour": 3, "minute": 49}
